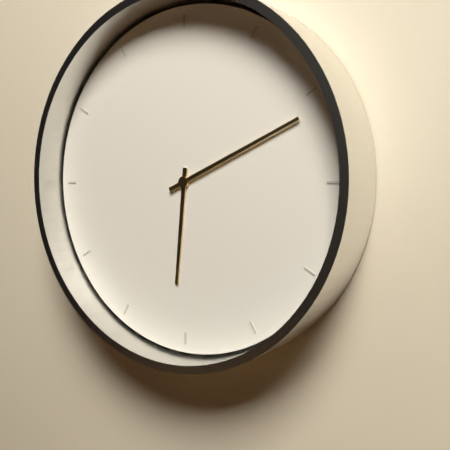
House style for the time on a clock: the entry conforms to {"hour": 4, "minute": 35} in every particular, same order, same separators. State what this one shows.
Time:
{"hour": 6, "minute": 11}
